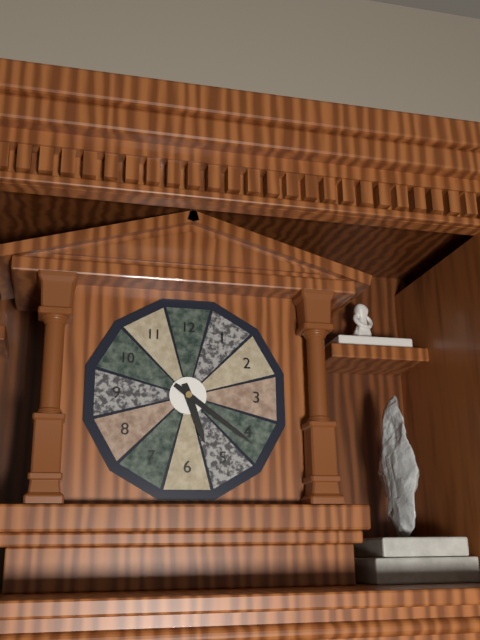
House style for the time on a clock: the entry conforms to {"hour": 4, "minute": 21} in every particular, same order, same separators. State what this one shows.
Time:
{"hour": 5, "minute": 21}
